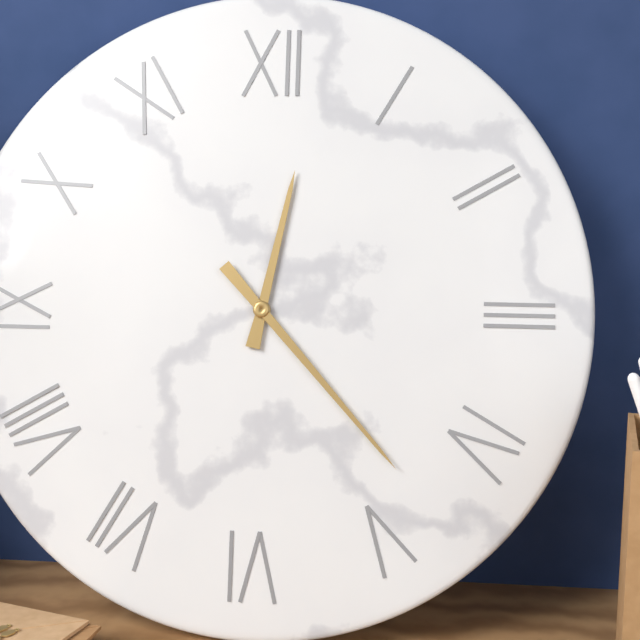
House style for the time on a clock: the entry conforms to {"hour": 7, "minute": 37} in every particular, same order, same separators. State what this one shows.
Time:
{"hour": 12, "minute": 23}
